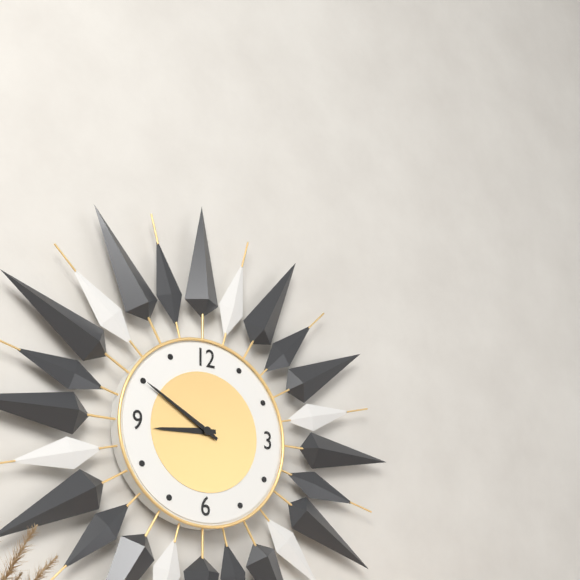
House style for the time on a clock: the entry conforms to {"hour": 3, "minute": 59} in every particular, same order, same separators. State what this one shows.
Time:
{"hour": 8, "minute": 50}
